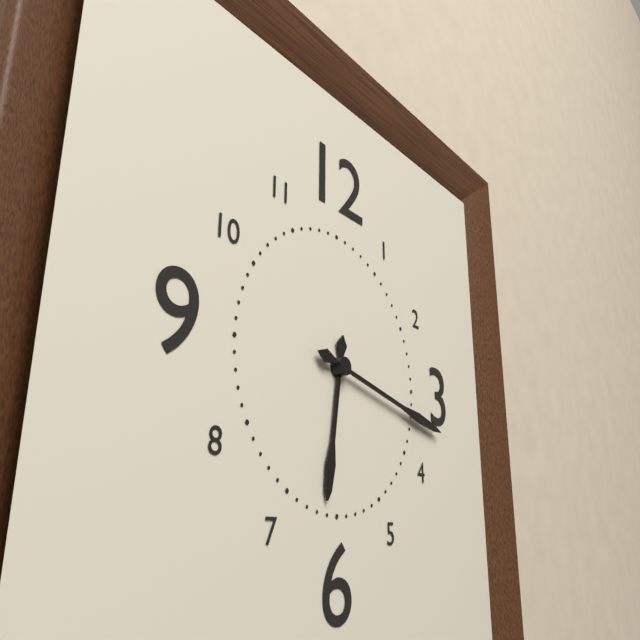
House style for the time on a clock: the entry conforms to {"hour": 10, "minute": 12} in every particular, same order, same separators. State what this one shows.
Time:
{"hour": 6, "minute": 17}
